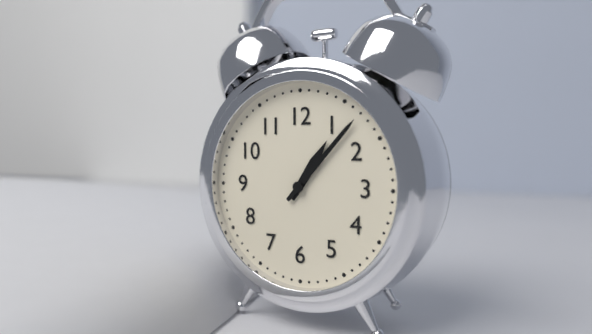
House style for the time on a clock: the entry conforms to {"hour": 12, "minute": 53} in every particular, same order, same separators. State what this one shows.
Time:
{"hour": 1, "minute": 7}
